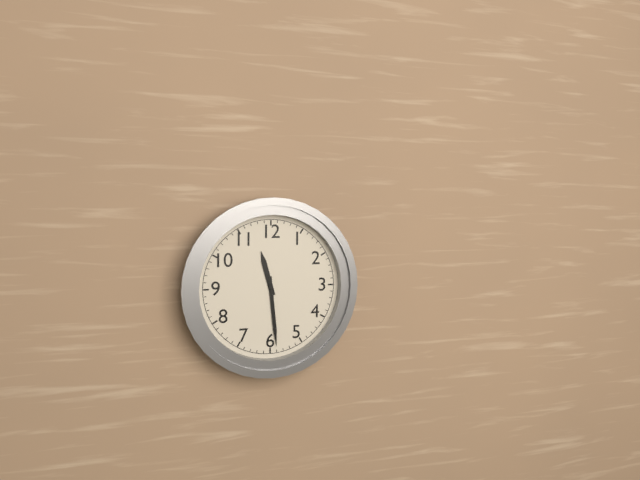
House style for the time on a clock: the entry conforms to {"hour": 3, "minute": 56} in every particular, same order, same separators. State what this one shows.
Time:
{"hour": 11, "minute": 29}
